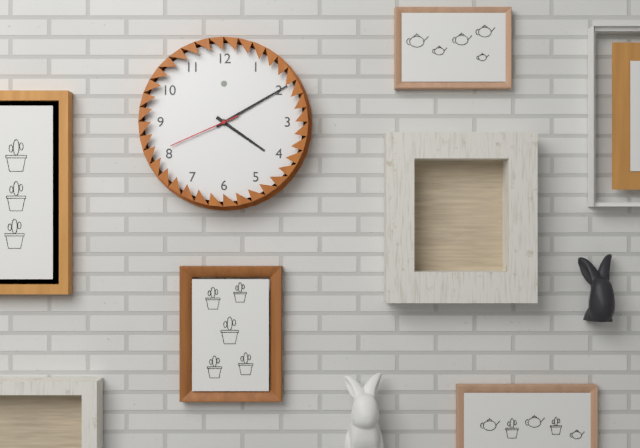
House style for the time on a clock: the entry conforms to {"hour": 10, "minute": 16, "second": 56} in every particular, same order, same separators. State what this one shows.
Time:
{"hour": 4, "minute": 10, "second": 41}
